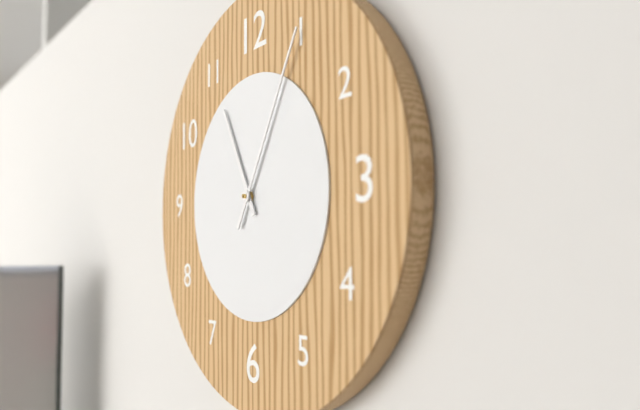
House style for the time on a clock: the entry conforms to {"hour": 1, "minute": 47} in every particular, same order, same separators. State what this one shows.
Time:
{"hour": 11, "minute": 5}
